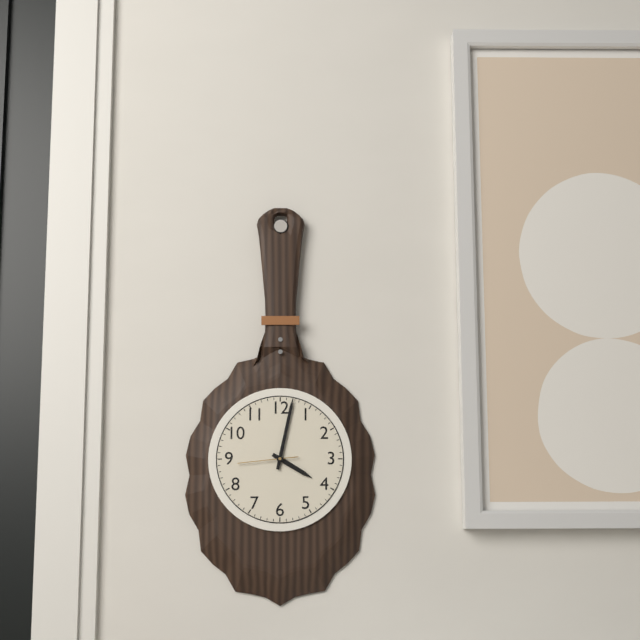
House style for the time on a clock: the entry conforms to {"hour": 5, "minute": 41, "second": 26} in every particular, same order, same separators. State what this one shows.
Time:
{"hour": 4, "minute": 2, "second": 44}
